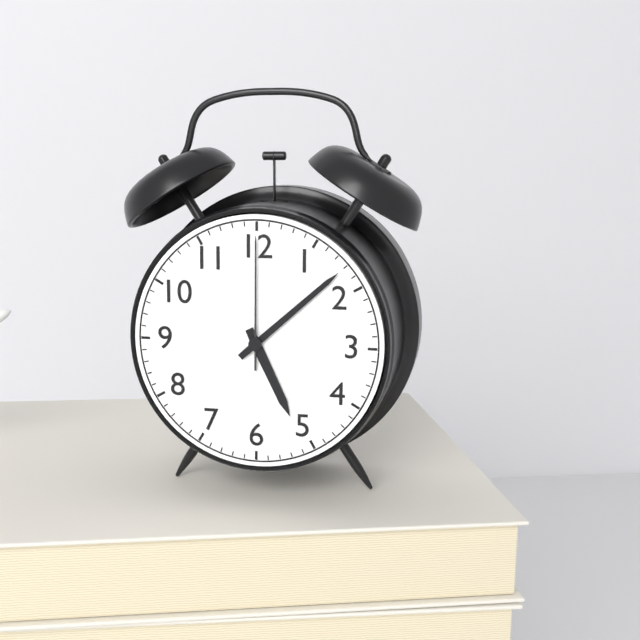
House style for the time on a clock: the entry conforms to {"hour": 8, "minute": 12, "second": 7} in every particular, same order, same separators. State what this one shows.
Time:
{"hour": 5, "minute": 8, "second": 0}
